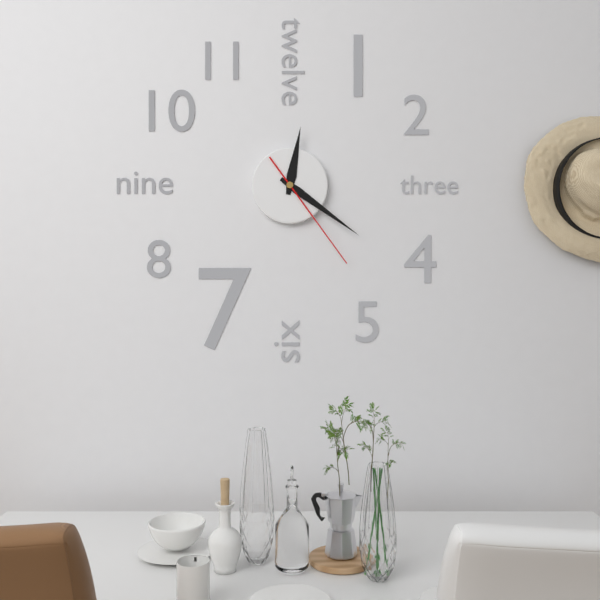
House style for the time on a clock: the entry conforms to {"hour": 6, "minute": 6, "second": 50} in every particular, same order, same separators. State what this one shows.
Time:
{"hour": 12, "minute": 21, "second": 24}
